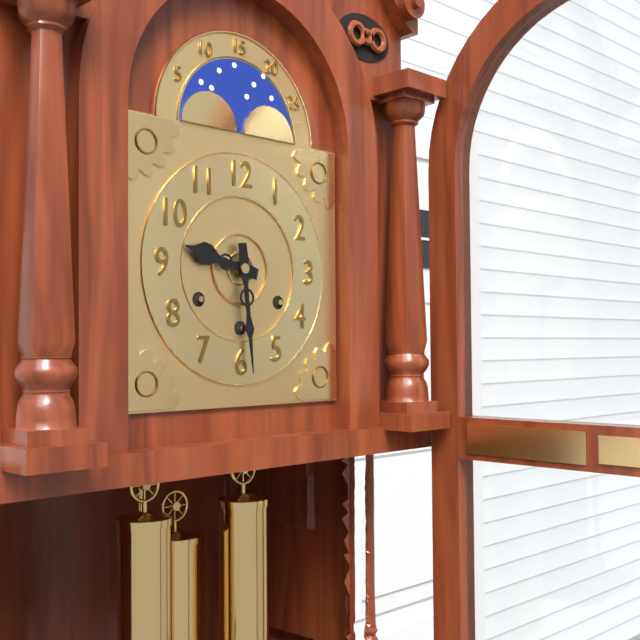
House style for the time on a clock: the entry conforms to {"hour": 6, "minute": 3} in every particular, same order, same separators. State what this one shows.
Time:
{"hour": 9, "minute": 29}
